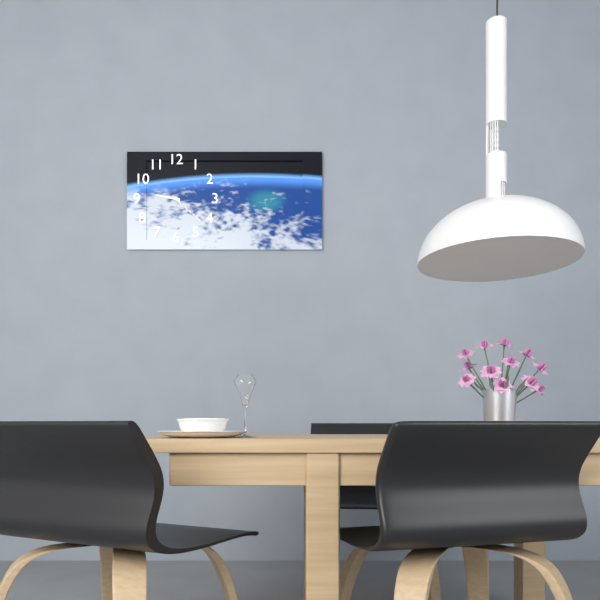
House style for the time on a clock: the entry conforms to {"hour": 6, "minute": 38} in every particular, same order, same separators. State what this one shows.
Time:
{"hour": 9, "minute": 22}
